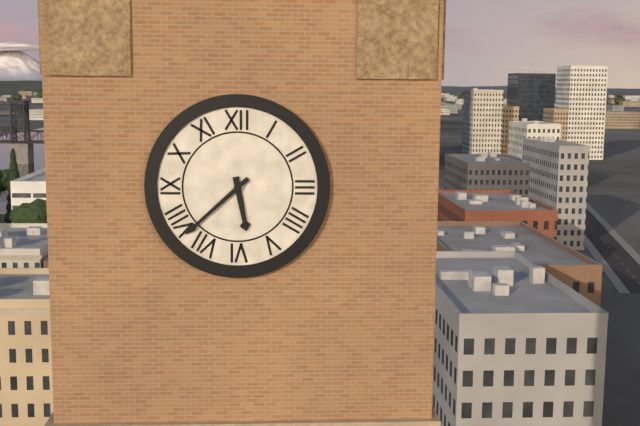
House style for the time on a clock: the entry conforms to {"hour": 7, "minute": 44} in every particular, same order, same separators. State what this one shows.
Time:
{"hour": 5, "minute": 38}
